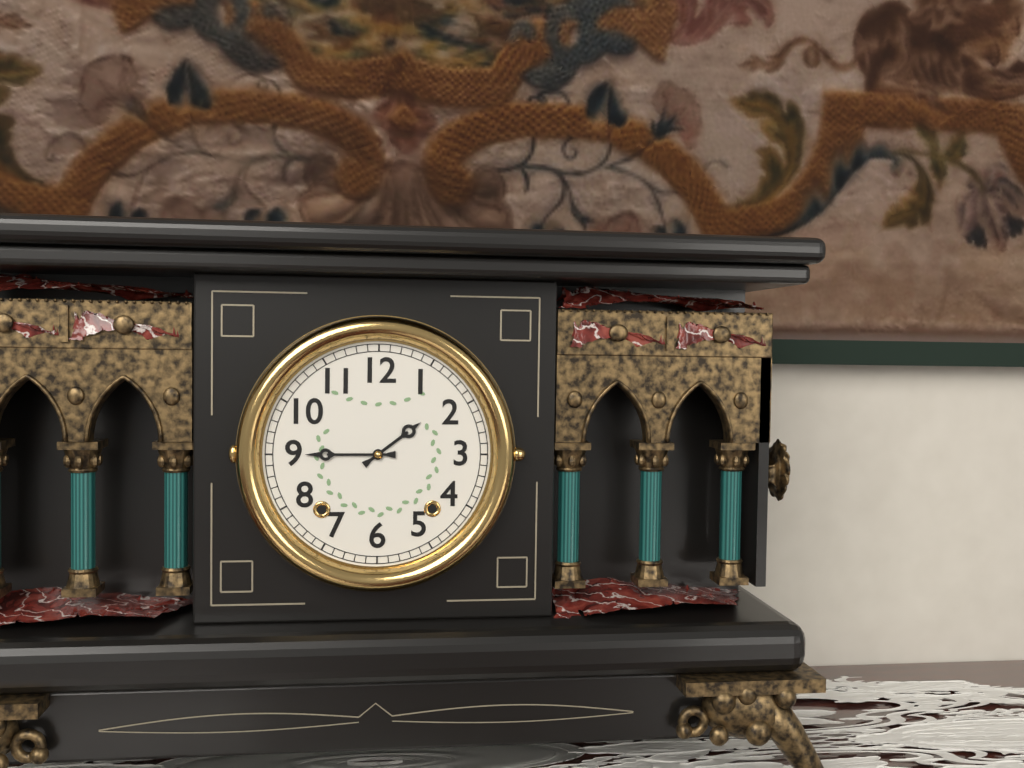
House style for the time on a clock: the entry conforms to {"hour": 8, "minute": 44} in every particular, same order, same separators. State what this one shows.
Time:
{"hour": 1, "minute": 45}
